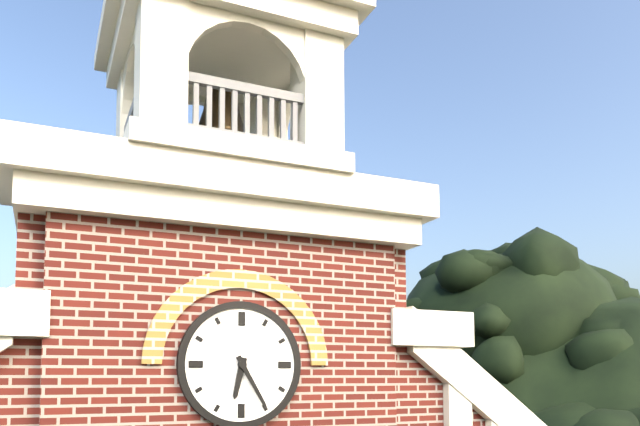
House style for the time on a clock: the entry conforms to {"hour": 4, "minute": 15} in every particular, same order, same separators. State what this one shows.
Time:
{"hour": 6, "minute": 25}
